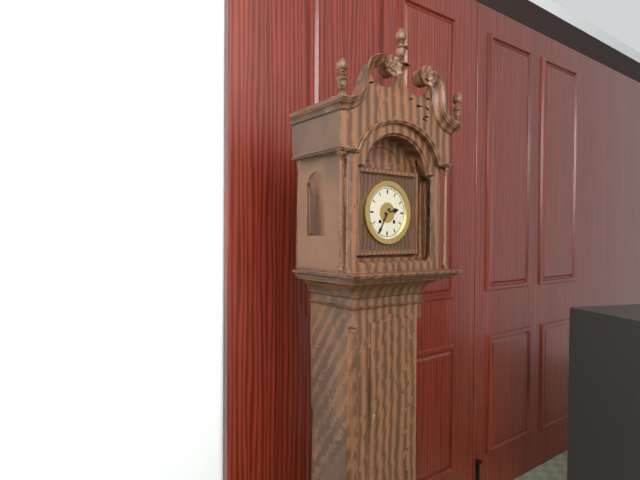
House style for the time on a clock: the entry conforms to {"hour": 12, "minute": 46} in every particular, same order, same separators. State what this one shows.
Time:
{"hour": 2, "minute": 35}
